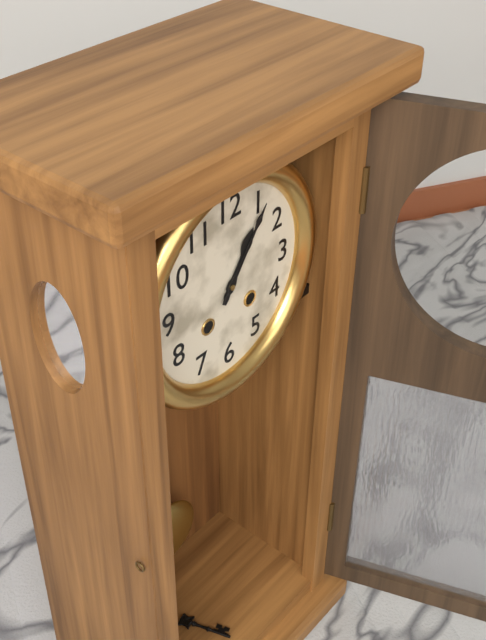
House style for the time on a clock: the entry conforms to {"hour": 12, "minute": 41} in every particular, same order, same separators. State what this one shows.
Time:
{"hour": 1, "minute": 6}
